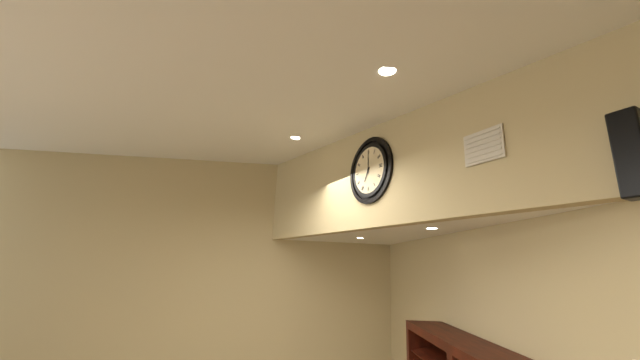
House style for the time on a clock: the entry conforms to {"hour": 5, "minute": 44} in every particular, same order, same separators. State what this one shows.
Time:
{"hour": 7, "minute": 0}
